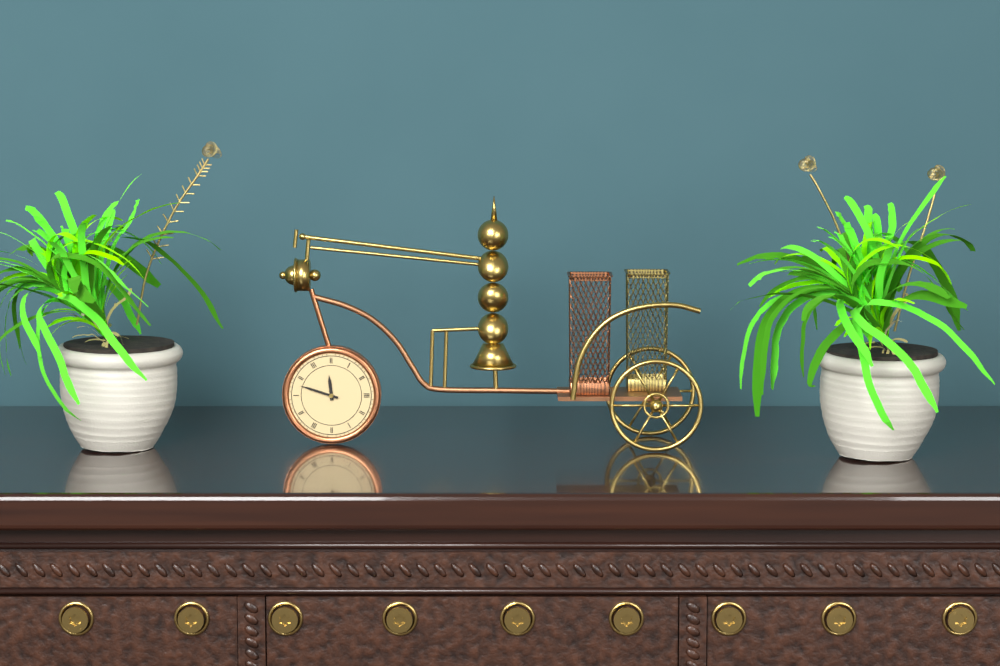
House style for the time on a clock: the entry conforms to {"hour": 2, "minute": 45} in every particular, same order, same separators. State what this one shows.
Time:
{"hour": 11, "minute": 48}
